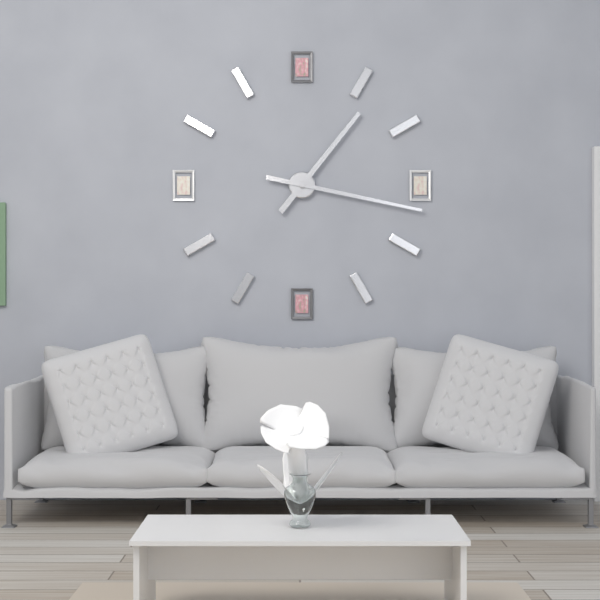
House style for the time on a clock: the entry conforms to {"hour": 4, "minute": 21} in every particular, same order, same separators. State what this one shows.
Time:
{"hour": 1, "minute": 17}
